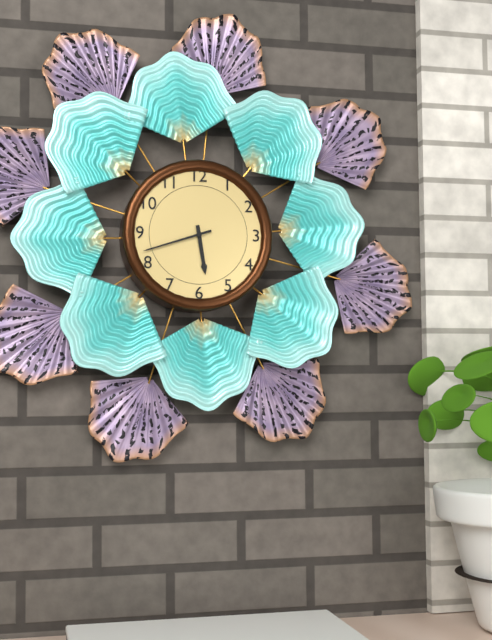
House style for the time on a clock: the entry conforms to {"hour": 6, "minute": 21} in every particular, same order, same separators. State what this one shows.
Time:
{"hour": 5, "minute": 42}
